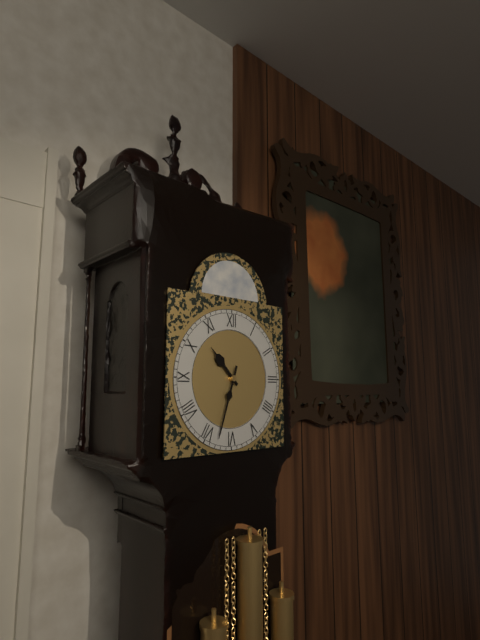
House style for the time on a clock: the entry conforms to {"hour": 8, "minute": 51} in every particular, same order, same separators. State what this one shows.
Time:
{"hour": 10, "minute": 33}
